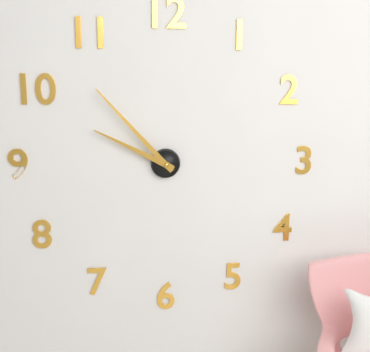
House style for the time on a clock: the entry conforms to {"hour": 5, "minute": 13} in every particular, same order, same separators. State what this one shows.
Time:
{"hour": 9, "minute": 53}
